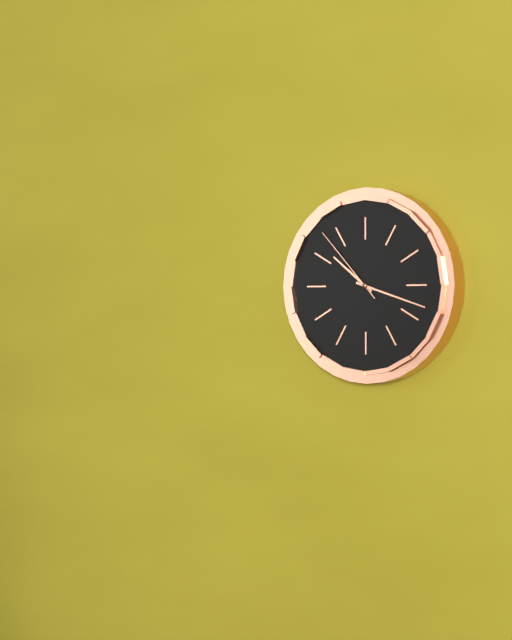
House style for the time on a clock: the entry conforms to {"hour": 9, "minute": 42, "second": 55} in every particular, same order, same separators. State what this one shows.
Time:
{"hour": 10, "minute": 18, "second": 53}
